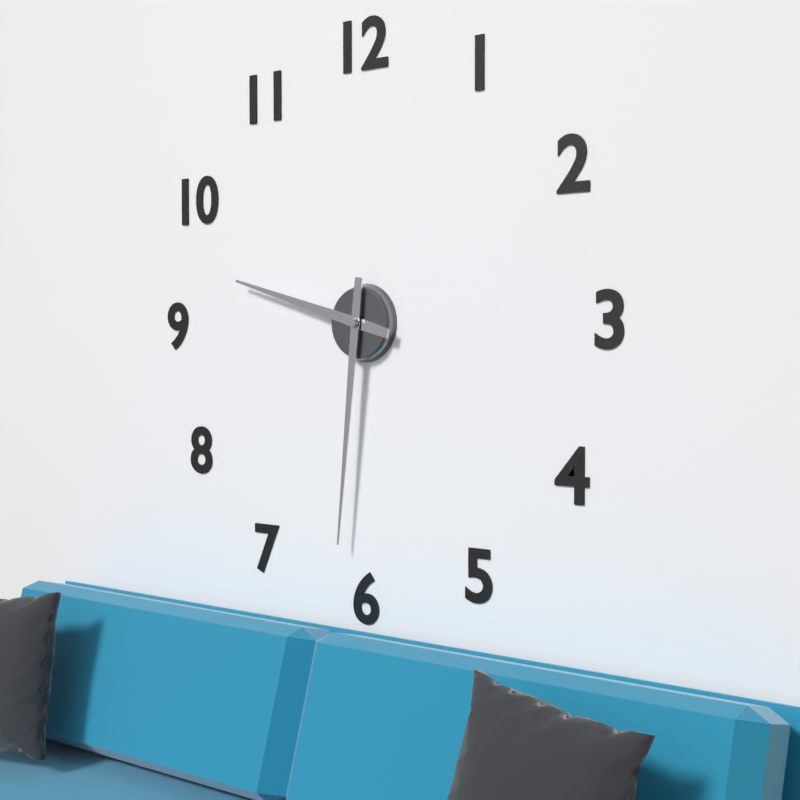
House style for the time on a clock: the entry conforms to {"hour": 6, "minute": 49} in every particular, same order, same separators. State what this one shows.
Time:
{"hour": 9, "minute": 31}
